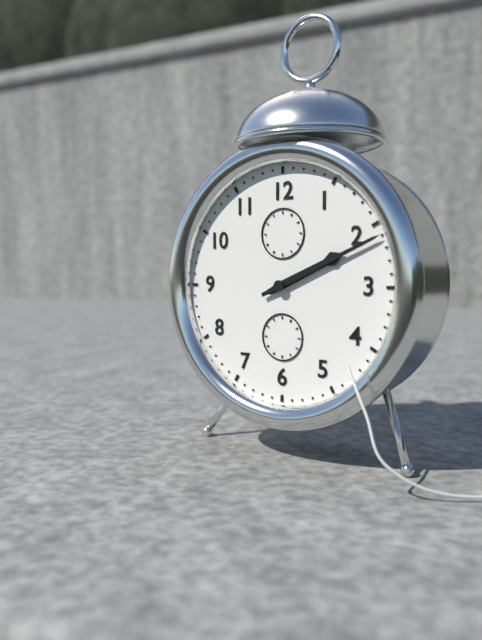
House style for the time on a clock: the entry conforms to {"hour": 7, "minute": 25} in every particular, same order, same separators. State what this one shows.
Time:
{"hour": 2, "minute": 11}
